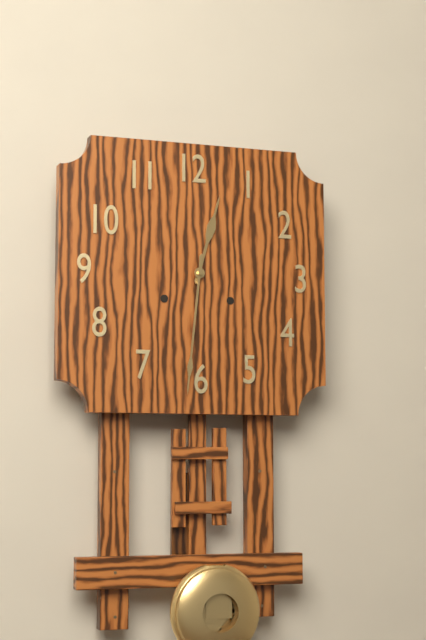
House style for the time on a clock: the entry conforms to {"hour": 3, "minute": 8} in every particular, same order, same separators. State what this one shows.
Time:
{"hour": 12, "minute": 31}
